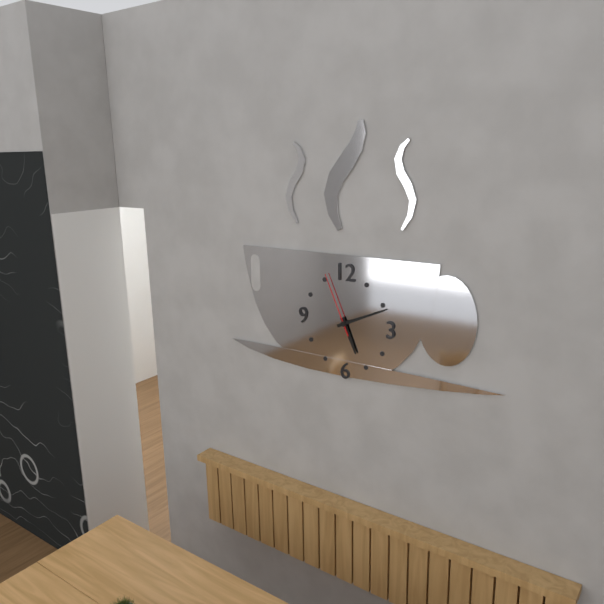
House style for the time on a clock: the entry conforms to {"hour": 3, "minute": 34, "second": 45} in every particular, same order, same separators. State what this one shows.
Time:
{"hour": 5, "minute": 11, "second": 56}
